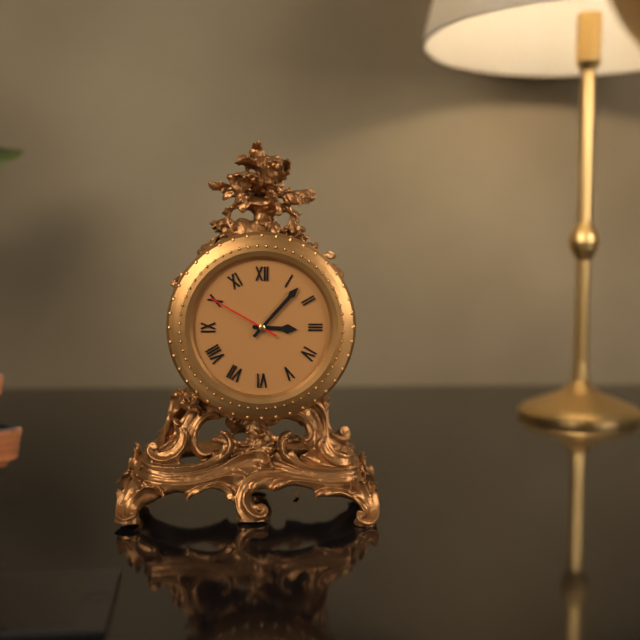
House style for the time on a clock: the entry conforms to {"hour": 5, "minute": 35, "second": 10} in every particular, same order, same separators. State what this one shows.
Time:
{"hour": 3, "minute": 7, "second": 50}
